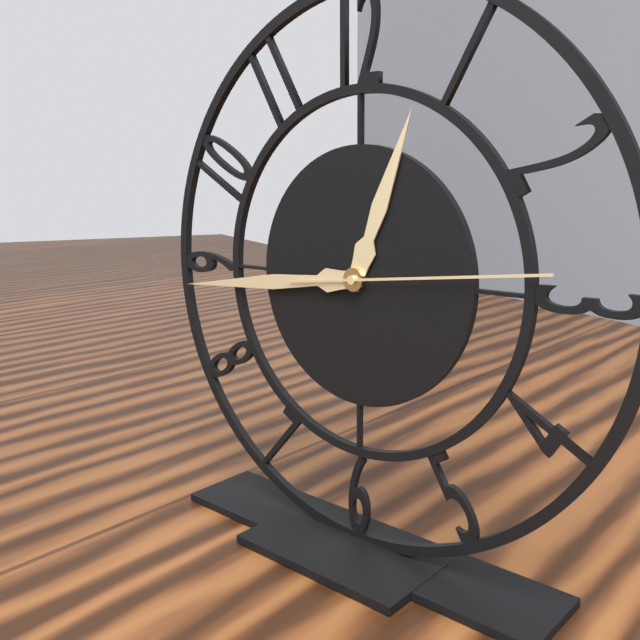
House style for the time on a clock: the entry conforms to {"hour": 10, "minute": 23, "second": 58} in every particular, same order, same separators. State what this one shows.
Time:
{"hour": 12, "minute": 44, "second": 14}
